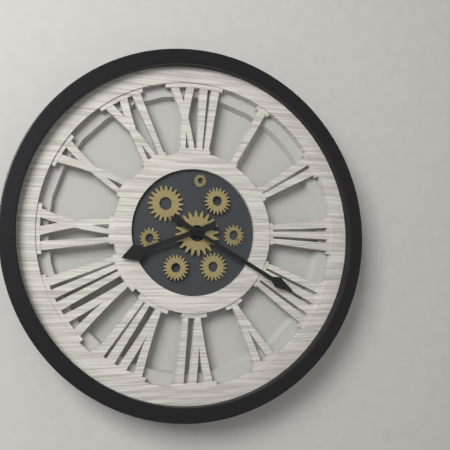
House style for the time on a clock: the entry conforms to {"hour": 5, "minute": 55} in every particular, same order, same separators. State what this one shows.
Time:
{"hour": 8, "minute": 20}
